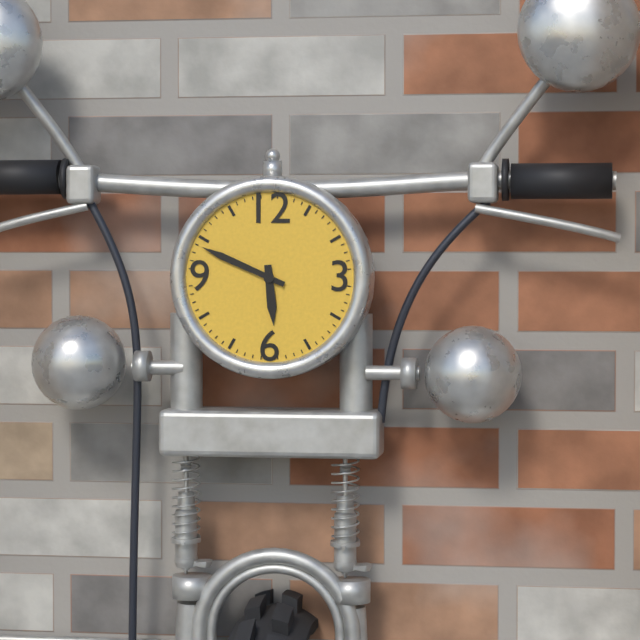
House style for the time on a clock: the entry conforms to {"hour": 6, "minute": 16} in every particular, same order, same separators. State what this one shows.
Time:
{"hour": 5, "minute": 49}
